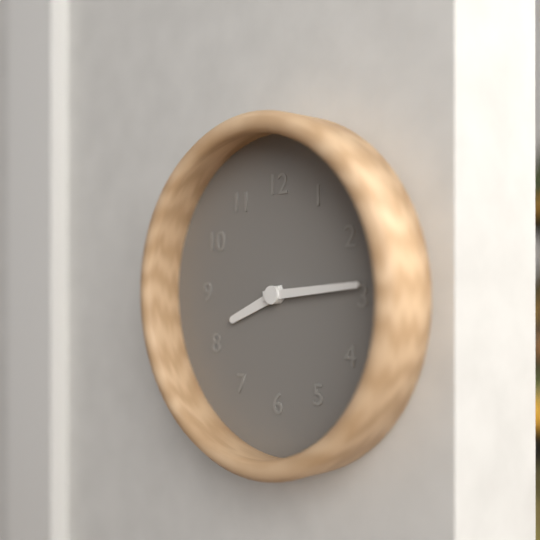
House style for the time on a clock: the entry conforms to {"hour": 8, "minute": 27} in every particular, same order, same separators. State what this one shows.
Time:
{"hour": 8, "minute": 14}
